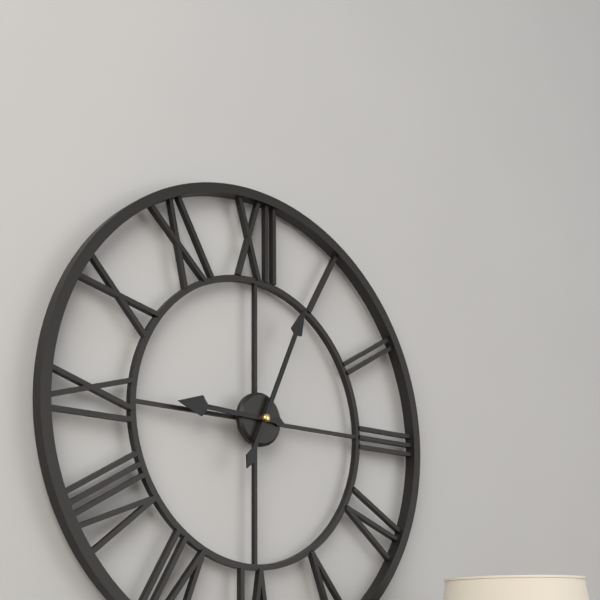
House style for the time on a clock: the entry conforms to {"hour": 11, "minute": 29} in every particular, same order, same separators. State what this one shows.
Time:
{"hour": 9, "minute": 4}
